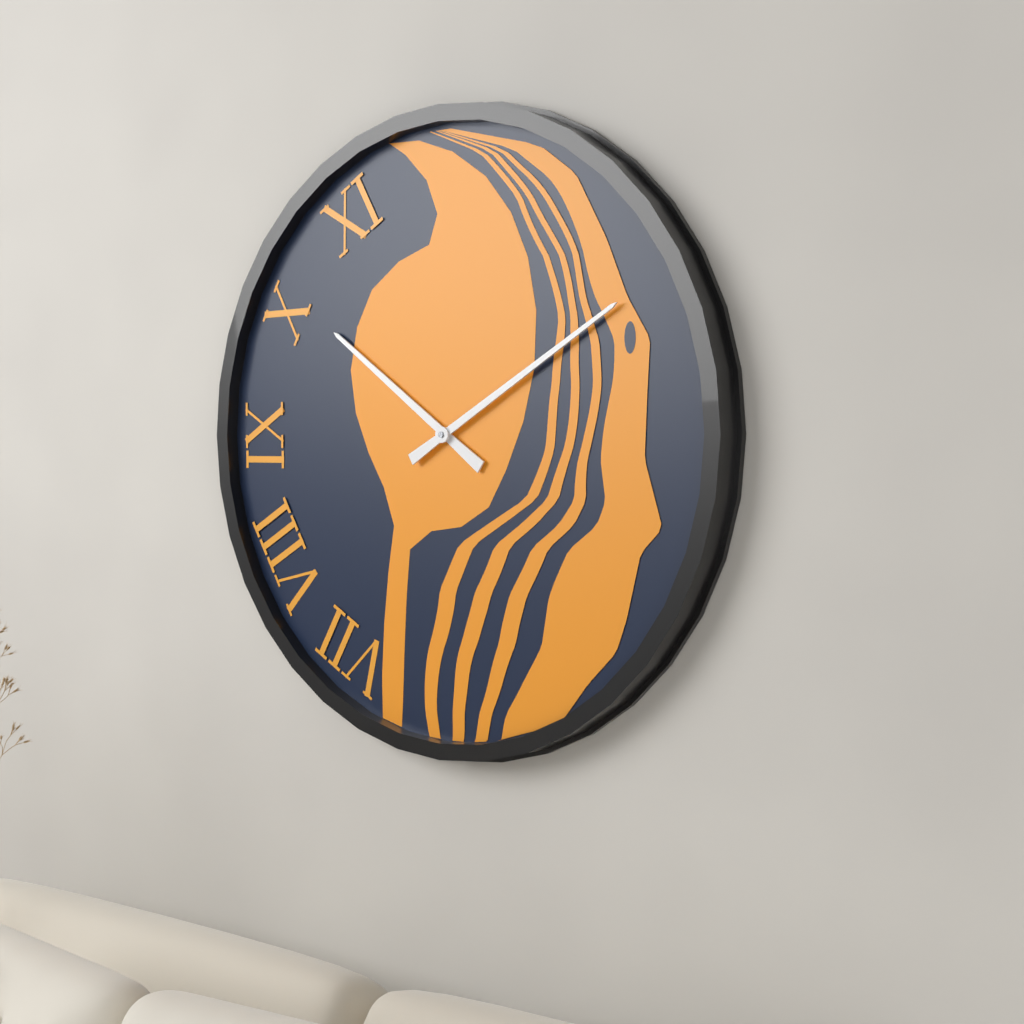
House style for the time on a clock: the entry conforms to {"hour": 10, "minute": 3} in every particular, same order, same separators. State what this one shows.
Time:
{"hour": 10, "minute": 10}
